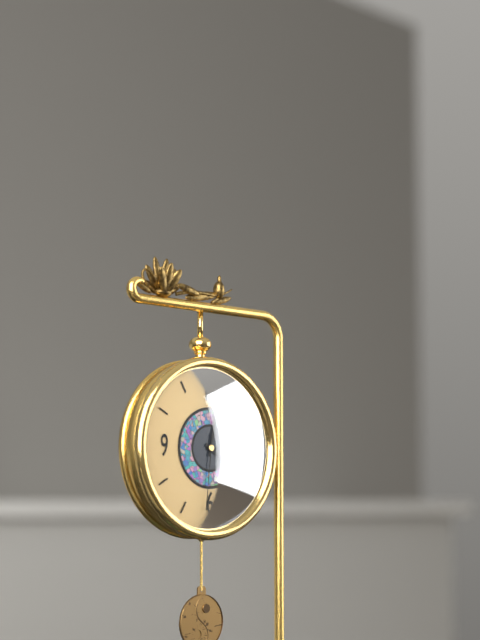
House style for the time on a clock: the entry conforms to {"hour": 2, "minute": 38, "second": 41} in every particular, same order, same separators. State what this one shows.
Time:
{"hour": 4, "minute": 2, "second": 31}
